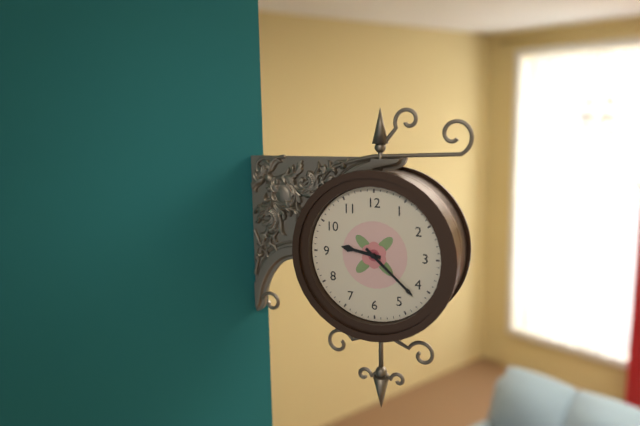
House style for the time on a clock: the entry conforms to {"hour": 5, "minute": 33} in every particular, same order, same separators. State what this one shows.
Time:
{"hour": 9, "minute": 22}
